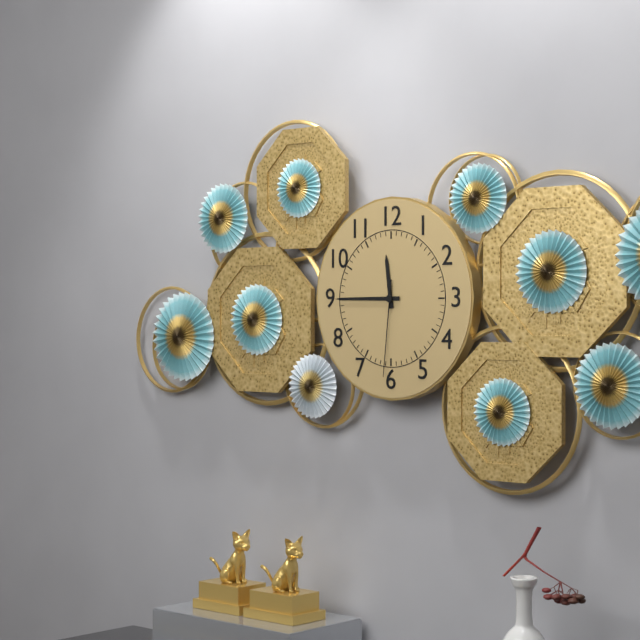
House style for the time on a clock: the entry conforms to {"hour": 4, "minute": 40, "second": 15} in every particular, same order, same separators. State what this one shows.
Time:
{"hour": 11, "minute": 45, "second": 31}
